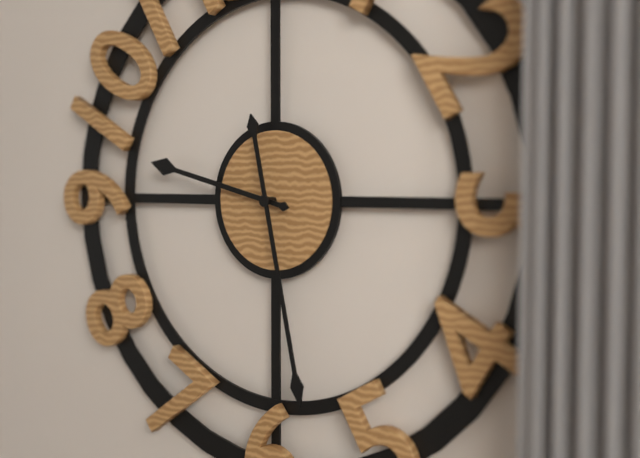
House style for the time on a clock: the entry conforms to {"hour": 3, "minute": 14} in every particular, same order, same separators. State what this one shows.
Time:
{"hour": 9, "minute": 28}
